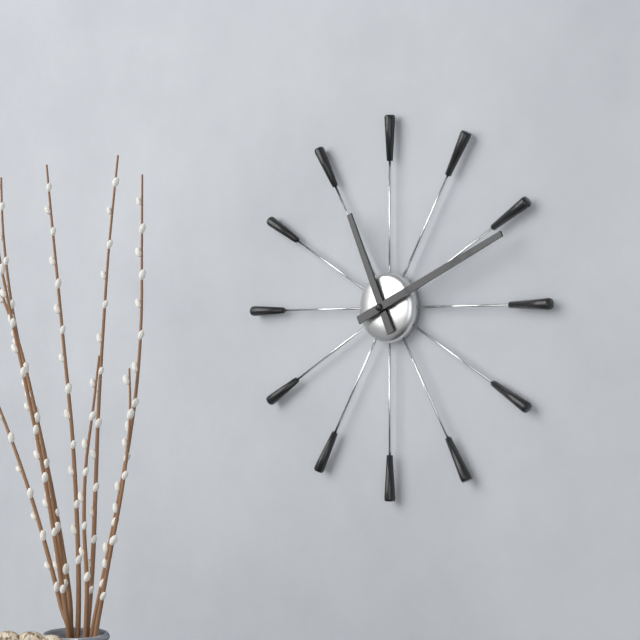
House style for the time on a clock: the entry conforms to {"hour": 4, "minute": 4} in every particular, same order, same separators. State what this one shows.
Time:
{"hour": 11, "minute": 11}
